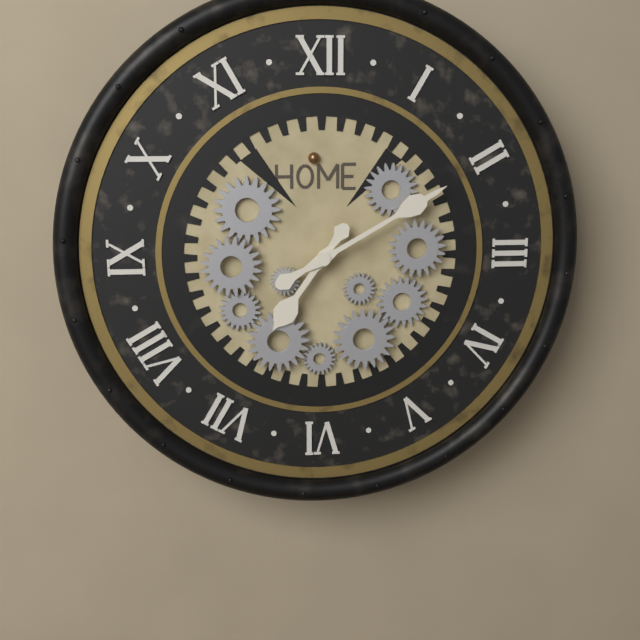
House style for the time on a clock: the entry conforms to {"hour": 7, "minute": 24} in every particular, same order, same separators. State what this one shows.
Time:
{"hour": 7, "minute": 10}
